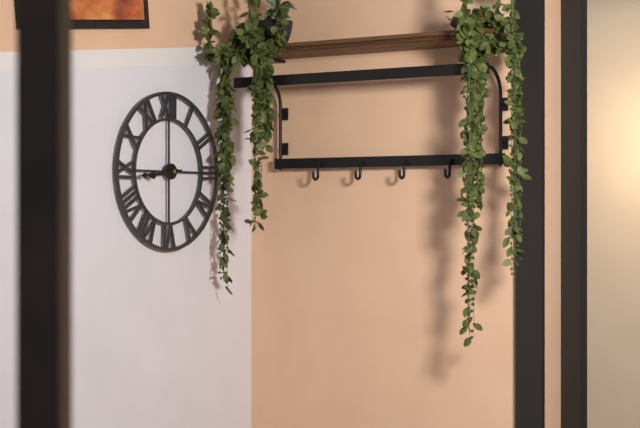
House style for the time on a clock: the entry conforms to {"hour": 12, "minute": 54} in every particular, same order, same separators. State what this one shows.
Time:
{"hour": 8, "minute": 44}
